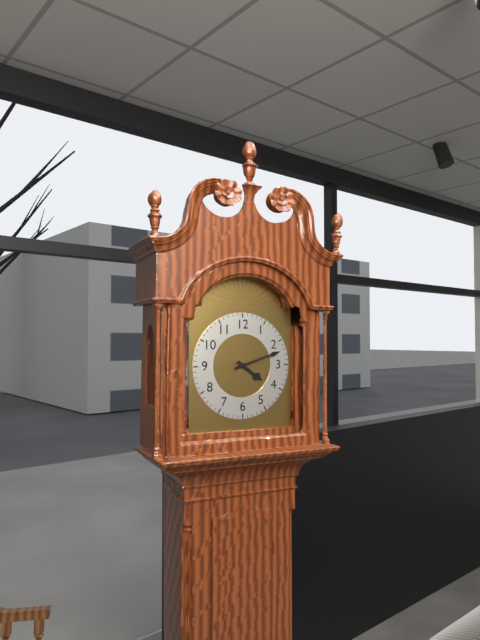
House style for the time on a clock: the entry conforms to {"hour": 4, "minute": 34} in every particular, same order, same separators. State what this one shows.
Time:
{"hour": 4, "minute": 12}
